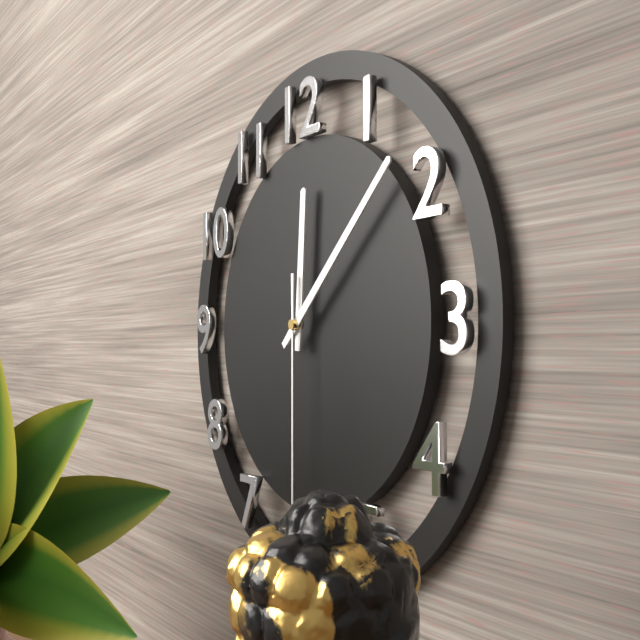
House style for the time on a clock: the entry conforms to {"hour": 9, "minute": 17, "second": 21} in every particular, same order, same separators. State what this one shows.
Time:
{"hour": 12, "minute": 8, "second": 30}
